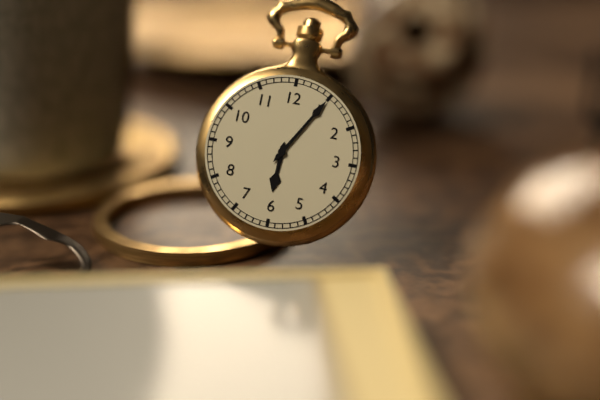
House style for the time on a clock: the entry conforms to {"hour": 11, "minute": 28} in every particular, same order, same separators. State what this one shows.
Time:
{"hour": 6, "minute": 5}
